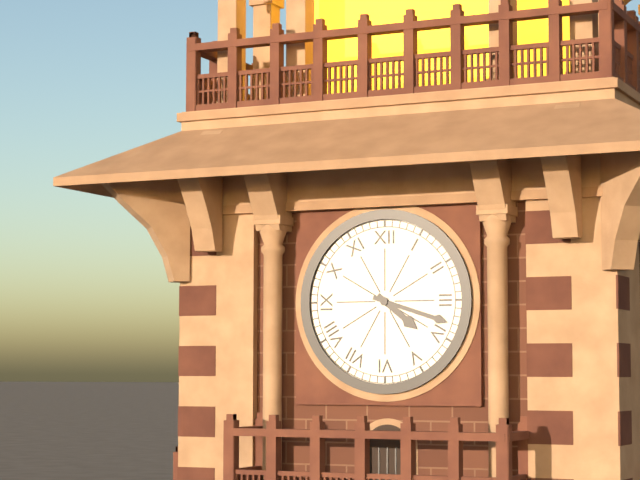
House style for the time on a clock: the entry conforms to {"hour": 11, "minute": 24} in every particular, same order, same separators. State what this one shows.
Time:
{"hour": 4, "minute": 18}
